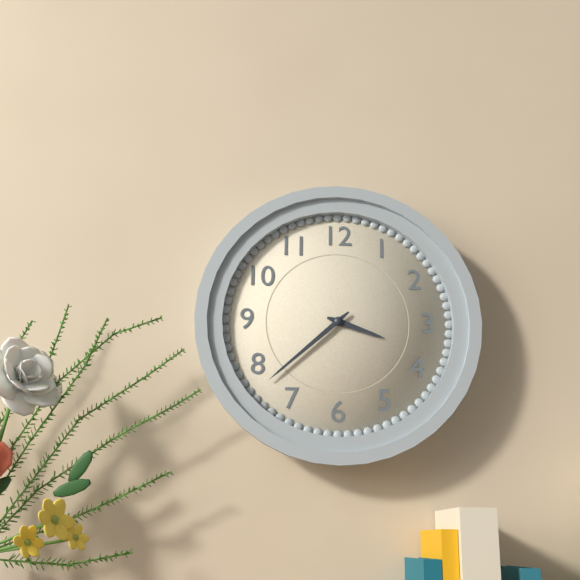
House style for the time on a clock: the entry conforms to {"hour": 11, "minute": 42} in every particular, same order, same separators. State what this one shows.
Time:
{"hour": 3, "minute": 38}
